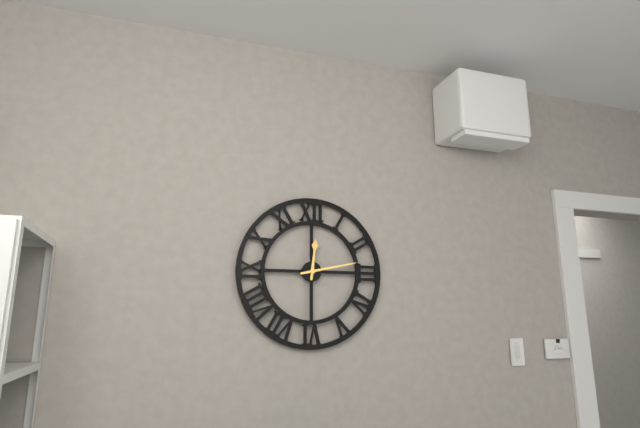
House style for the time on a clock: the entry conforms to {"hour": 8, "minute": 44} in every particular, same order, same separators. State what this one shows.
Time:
{"hour": 12, "minute": 13}
